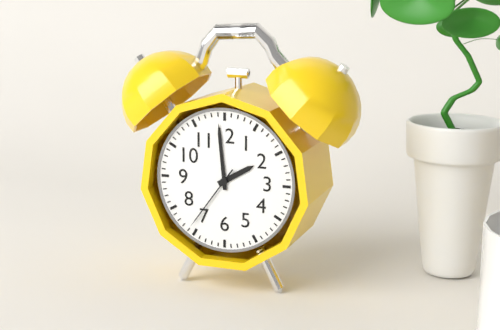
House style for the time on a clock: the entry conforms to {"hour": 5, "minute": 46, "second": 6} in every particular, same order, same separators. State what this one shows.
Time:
{"hour": 1, "minute": 59, "second": 36}
